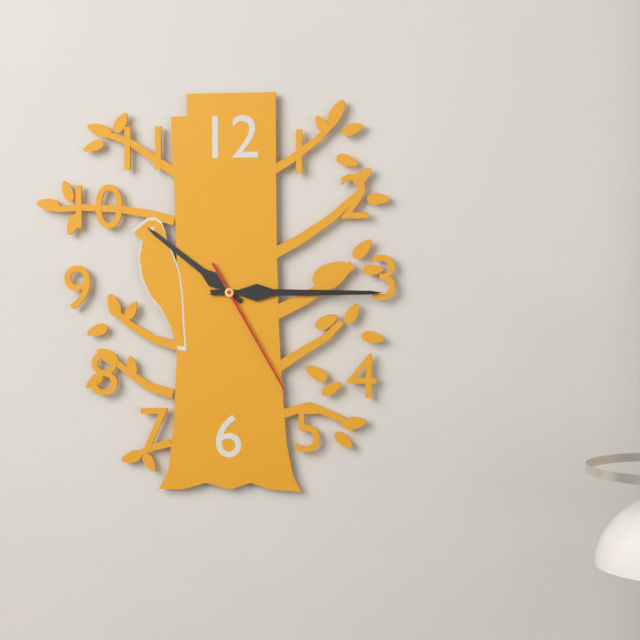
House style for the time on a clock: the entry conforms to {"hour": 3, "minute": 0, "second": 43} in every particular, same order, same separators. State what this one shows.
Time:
{"hour": 10, "minute": 15, "second": 25}
